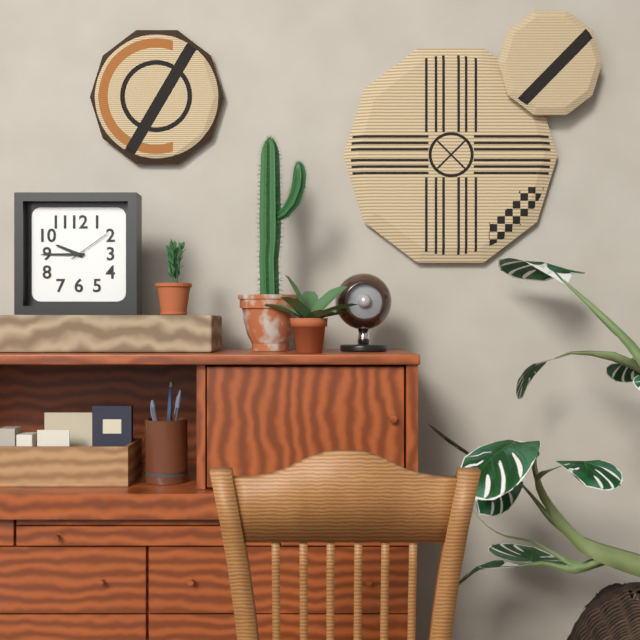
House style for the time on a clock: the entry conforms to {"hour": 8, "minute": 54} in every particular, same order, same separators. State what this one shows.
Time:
{"hour": 9, "minute": 45}
